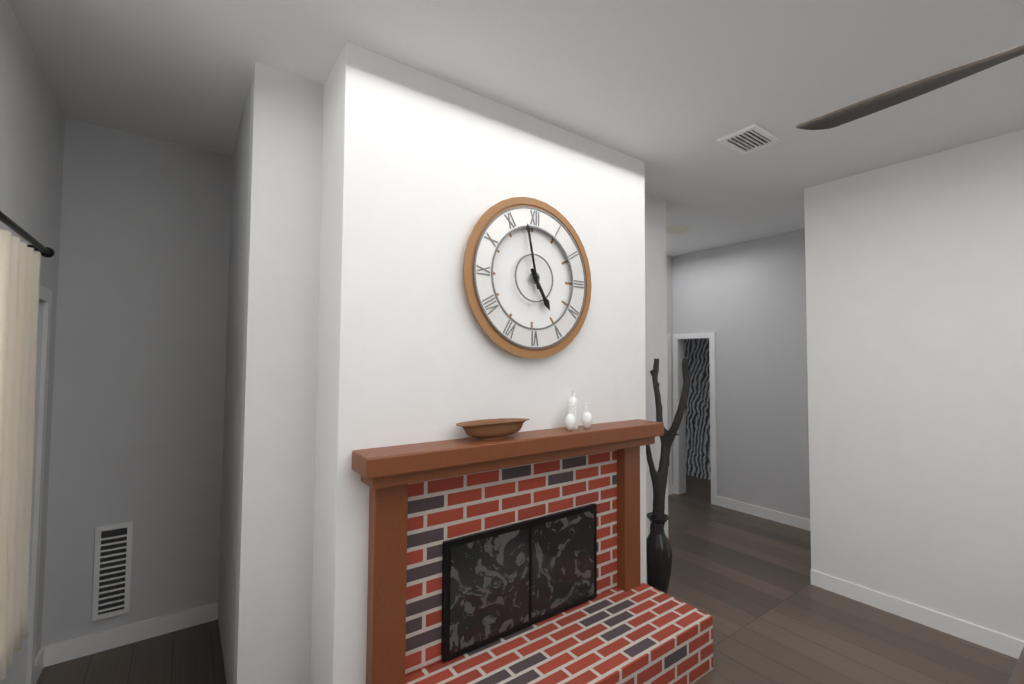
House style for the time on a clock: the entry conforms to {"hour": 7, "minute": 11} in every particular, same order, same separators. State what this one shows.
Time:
{"hour": 4, "minute": 58}
